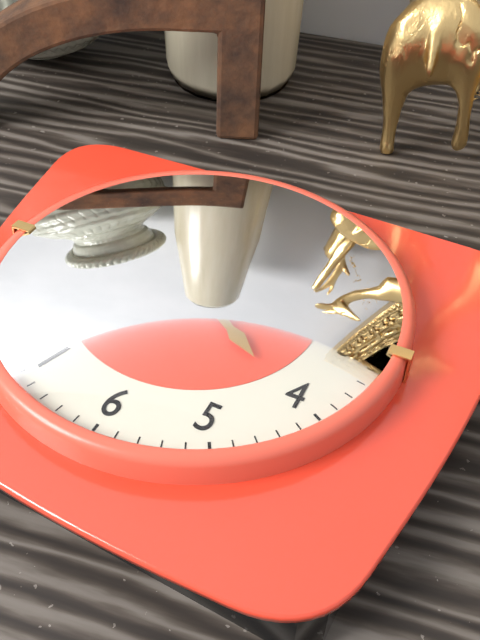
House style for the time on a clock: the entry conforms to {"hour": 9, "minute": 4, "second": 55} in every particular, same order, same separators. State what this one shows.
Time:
{"hour": 4, "minute": 8, "second": 42}
